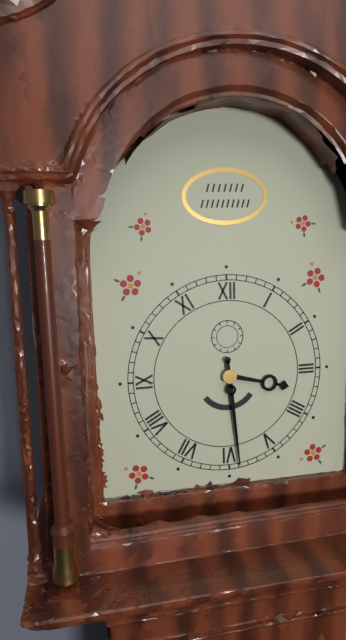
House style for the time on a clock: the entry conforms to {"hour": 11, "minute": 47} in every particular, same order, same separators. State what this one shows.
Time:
{"hour": 3, "minute": 29}
